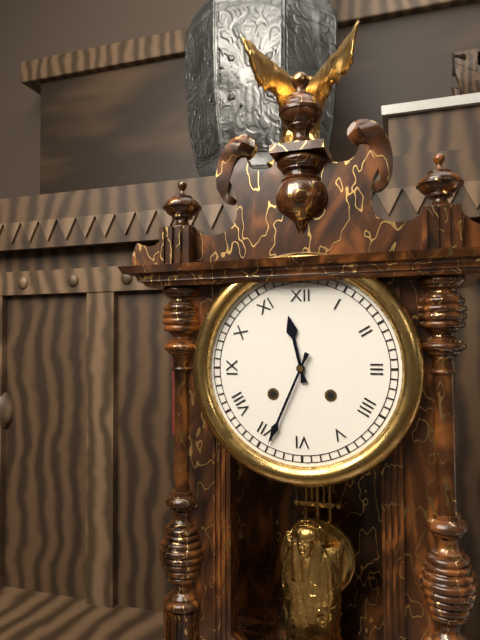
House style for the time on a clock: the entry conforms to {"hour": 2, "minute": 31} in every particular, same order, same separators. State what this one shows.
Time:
{"hour": 11, "minute": 34}
